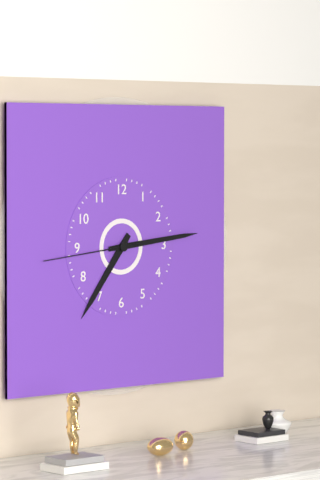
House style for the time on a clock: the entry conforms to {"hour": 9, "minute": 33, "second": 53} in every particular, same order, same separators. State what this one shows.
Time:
{"hour": 7, "minute": 14, "second": 44}
